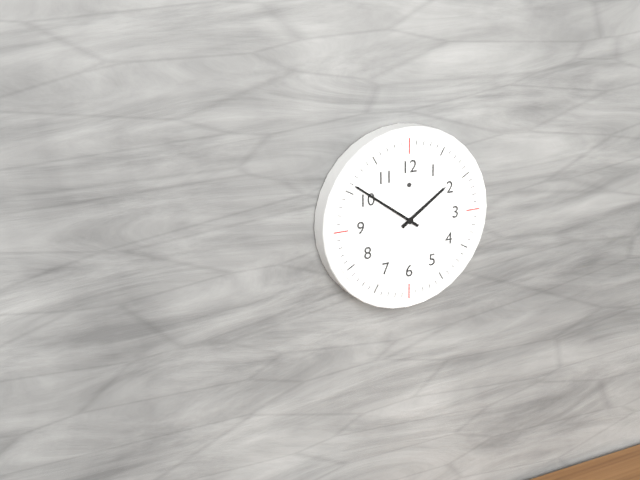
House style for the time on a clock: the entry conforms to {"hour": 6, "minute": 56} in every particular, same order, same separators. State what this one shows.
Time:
{"hour": 1, "minute": 51}
